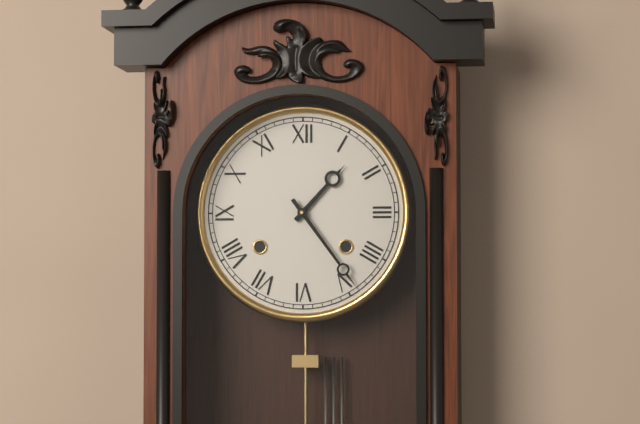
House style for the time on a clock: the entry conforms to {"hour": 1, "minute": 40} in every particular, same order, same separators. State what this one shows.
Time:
{"hour": 1, "minute": 24}
